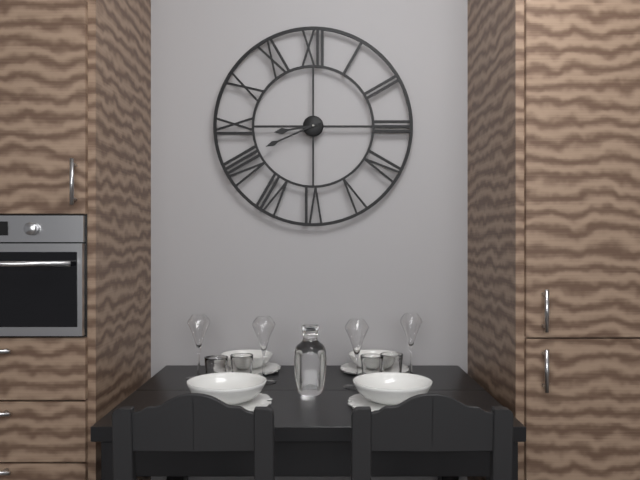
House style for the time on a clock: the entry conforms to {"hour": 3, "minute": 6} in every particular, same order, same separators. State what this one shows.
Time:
{"hour": 8, "minute": 41}
